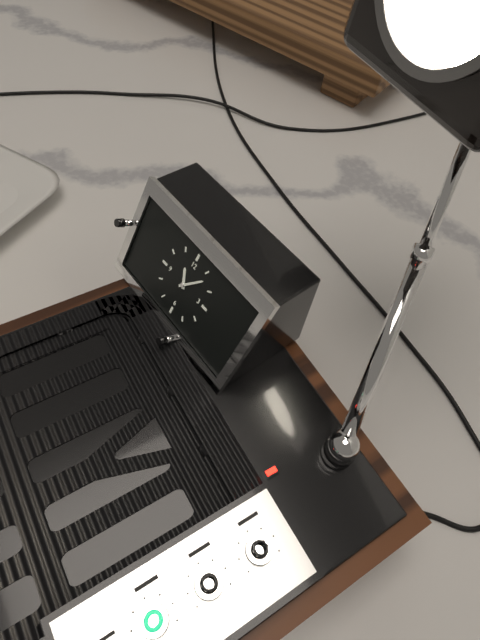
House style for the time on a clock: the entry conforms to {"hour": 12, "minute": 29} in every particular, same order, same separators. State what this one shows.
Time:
{"hour": 11, "minute": 7}
